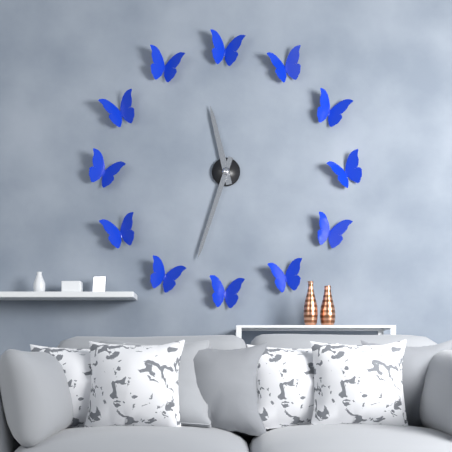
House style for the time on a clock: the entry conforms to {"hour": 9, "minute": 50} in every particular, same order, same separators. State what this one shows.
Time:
{"hour": 11, "minute": 33}
